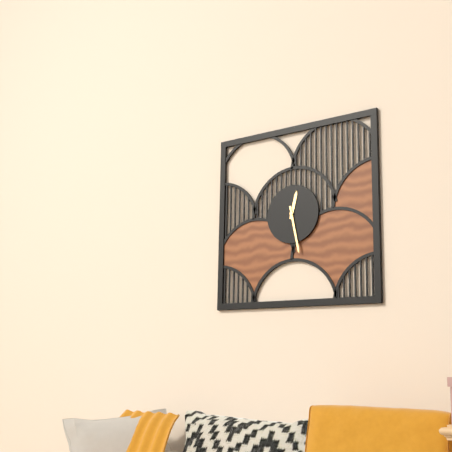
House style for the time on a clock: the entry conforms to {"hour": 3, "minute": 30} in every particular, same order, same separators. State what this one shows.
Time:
{"hour": 12, "minute": 28}
